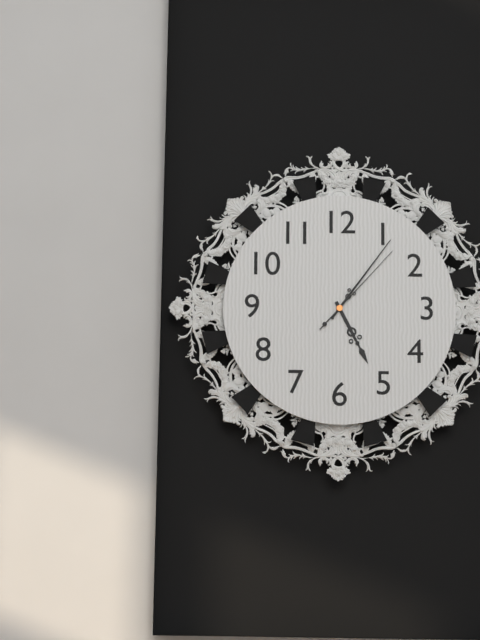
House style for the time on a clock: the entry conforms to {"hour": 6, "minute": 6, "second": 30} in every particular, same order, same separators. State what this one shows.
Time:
{"hour": 5, "minute": 6, "second": 7}
